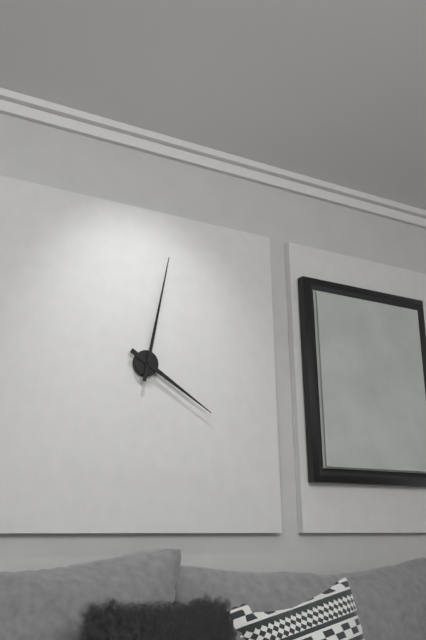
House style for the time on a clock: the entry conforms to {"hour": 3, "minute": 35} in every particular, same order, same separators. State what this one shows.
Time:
{"hour": 4, "minute": 2}
